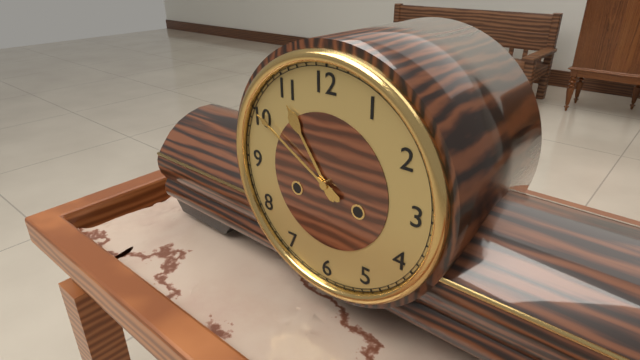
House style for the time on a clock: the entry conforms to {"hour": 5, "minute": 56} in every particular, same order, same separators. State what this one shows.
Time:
{"hour": 10, "minute": 50}
